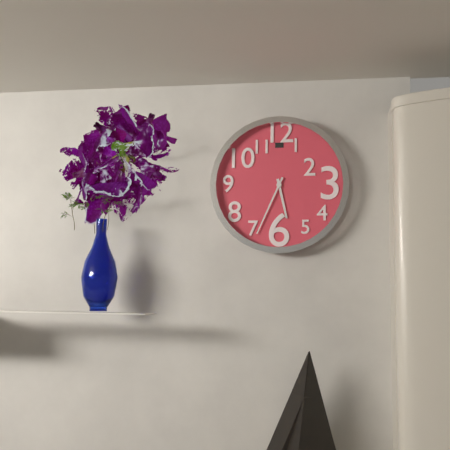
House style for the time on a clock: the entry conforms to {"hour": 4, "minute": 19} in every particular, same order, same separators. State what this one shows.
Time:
{"hour": 5, "minute": 34}
